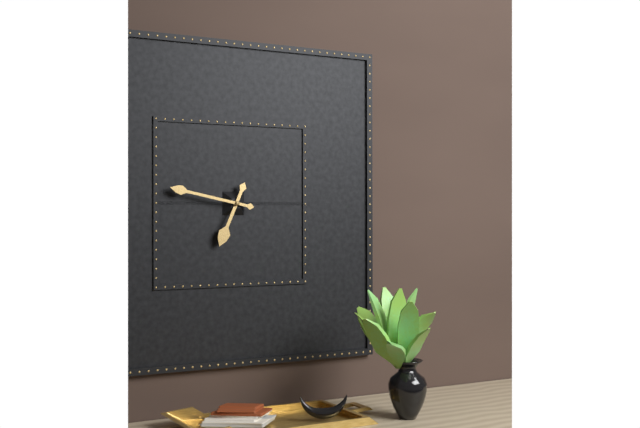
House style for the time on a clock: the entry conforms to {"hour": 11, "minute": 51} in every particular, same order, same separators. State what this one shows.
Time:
{"hour": 6, "minute": 47}
